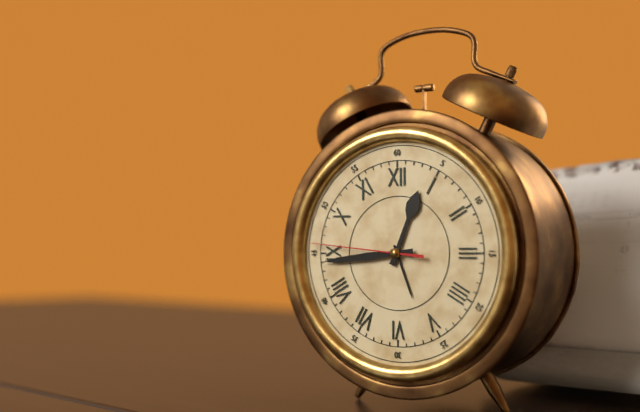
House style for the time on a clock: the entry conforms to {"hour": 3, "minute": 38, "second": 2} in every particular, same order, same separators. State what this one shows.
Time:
{"hour": 12, "minute": 44, "second": 46}
